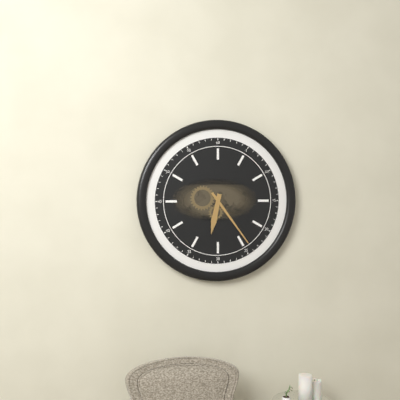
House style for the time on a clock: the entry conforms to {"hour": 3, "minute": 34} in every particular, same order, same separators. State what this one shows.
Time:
{"hour": 6, "minute": 24}
